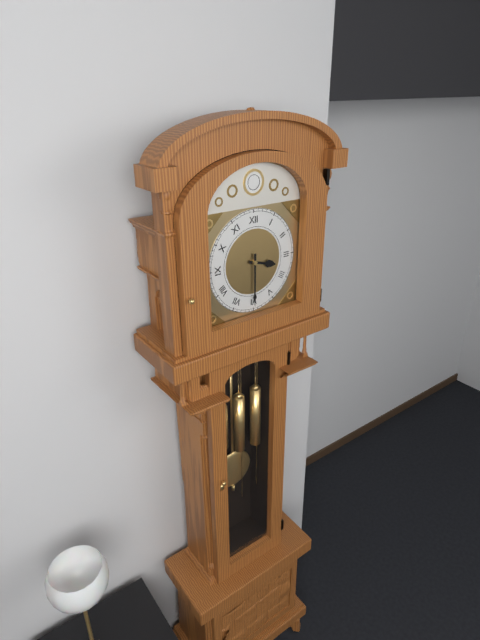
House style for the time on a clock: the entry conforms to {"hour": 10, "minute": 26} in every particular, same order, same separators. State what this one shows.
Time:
{"hour": 3, "minute": 30}
